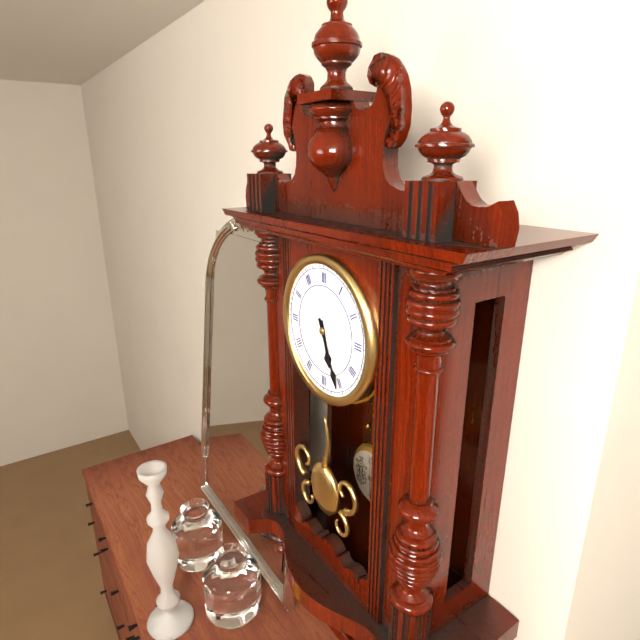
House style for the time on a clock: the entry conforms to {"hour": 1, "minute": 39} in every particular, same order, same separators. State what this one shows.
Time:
{"hour": 5, "minute": 26}
